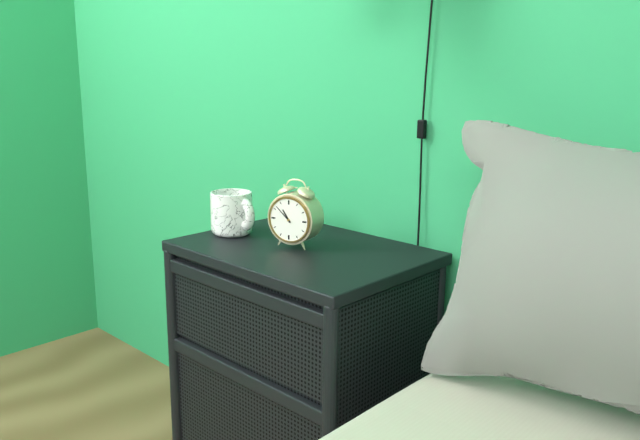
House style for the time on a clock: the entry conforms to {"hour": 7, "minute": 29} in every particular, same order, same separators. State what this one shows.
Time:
{"hour": 10, "minute": 52}
